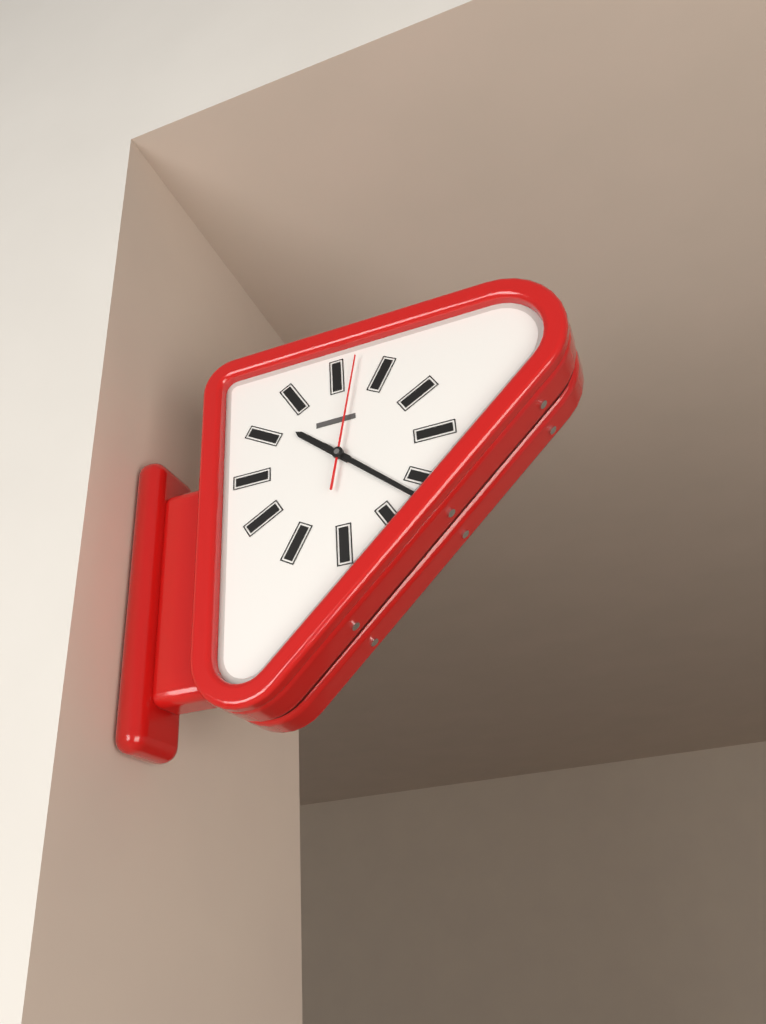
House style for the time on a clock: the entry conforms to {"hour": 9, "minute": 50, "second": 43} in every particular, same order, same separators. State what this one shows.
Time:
{"hour": 10, "minute": 22, "second": 2}
